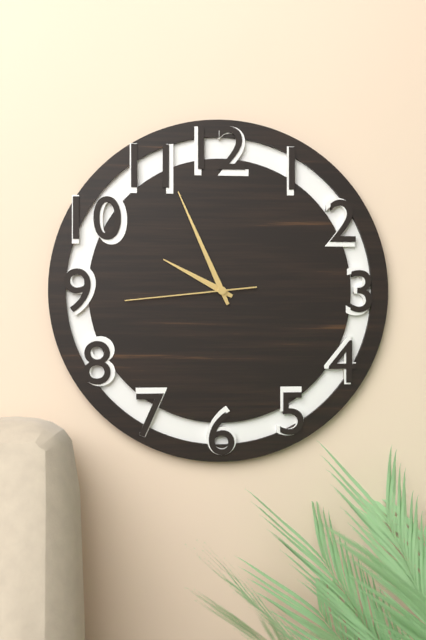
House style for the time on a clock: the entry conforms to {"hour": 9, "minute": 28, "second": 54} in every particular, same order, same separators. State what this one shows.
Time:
{"hour": 9, "minute": 56, "second": 44}
